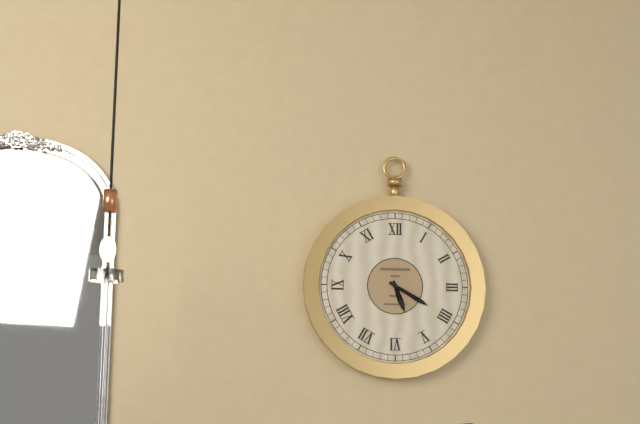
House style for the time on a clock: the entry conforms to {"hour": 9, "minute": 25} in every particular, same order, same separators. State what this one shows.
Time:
{"hour": 5, "minute": 20}
